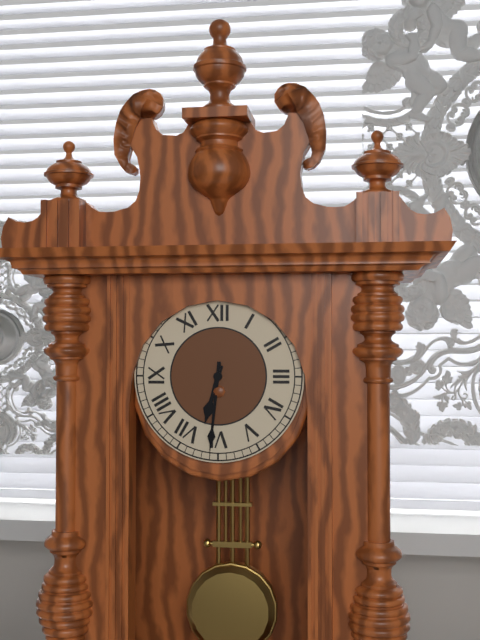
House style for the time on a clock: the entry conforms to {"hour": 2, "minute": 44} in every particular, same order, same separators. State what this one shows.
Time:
{"hour": 6, "minute": 31}
